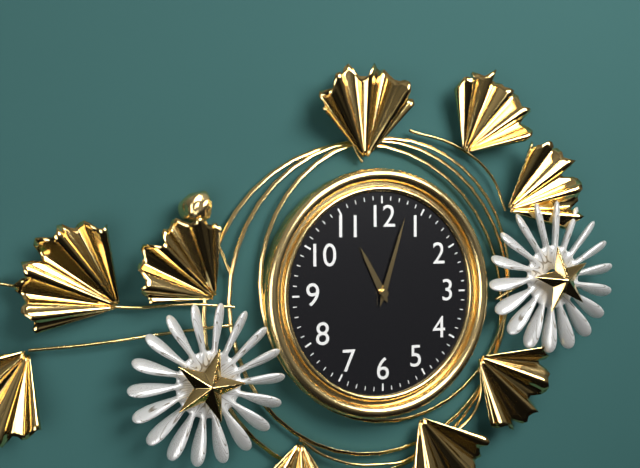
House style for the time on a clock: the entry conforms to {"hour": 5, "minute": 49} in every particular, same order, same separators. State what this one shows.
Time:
{"hour": 11, "minute": 3}
